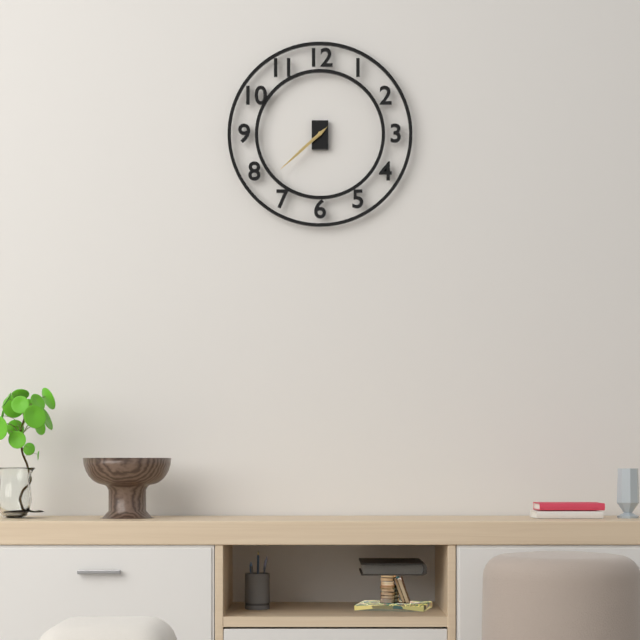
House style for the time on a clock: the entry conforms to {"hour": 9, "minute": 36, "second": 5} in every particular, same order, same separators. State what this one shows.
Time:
{"hour": 7, "minute": 38, "second": 38}
